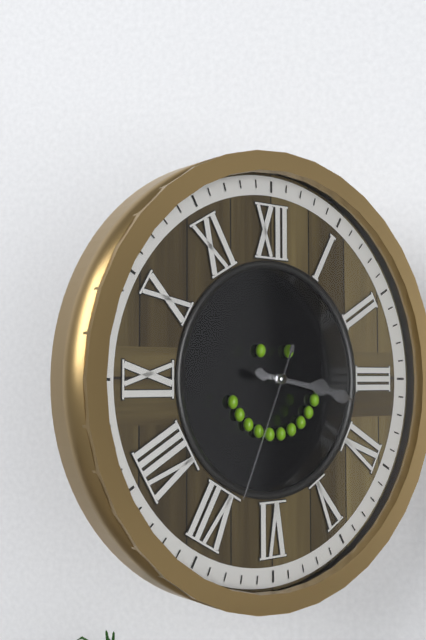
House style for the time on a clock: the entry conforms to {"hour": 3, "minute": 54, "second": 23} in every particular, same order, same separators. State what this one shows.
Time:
{"hour": 3, "minute": 17, "second": 34}
